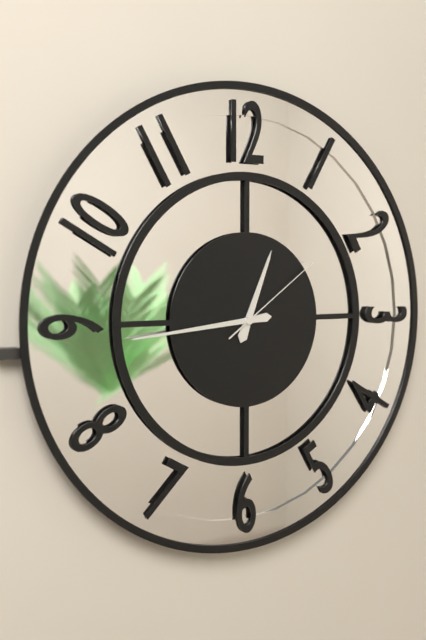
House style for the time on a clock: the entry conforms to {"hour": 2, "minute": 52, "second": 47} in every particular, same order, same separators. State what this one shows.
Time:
{"hour": 12, "minute": 44, "second": 9}
